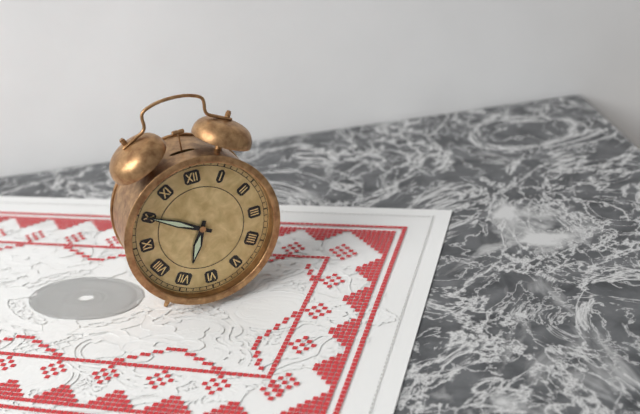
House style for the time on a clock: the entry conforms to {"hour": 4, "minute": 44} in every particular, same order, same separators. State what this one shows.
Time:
{"hour": 6, "minute": 50}
